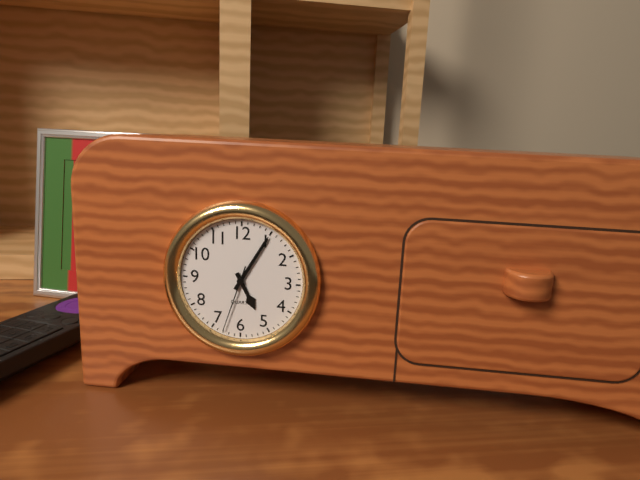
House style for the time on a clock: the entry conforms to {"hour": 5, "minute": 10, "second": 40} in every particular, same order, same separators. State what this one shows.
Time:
{"hour": 5, "minute": 5, "second": 33}
